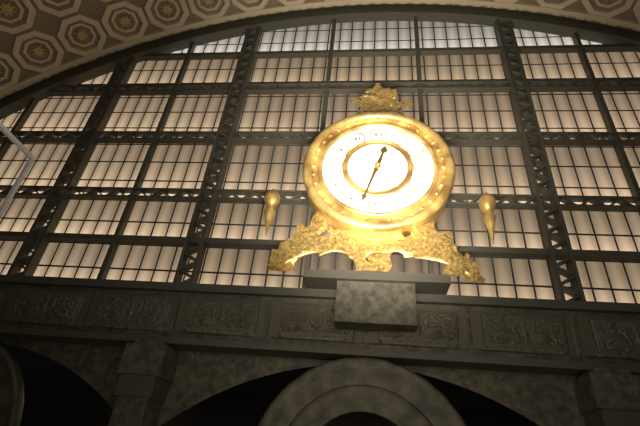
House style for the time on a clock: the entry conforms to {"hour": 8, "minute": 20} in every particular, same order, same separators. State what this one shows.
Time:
{"hour": 12, "minute": 33}
